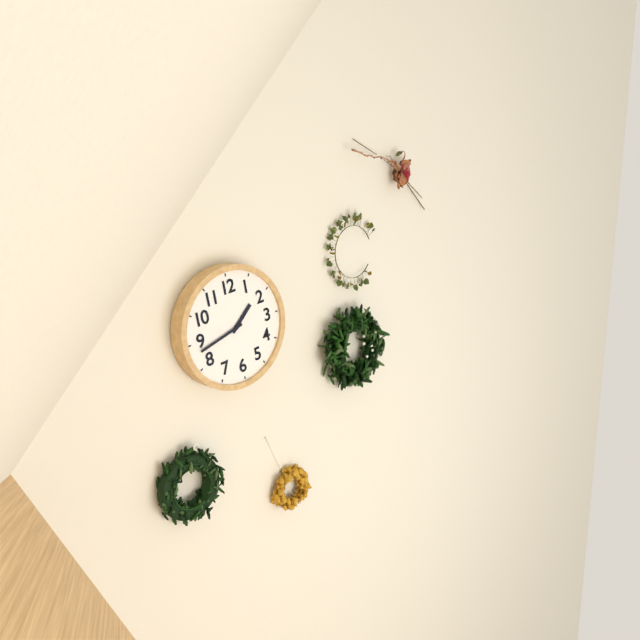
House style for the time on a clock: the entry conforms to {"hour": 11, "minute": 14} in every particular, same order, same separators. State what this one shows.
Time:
{"hour": 1, "minute": 43}
